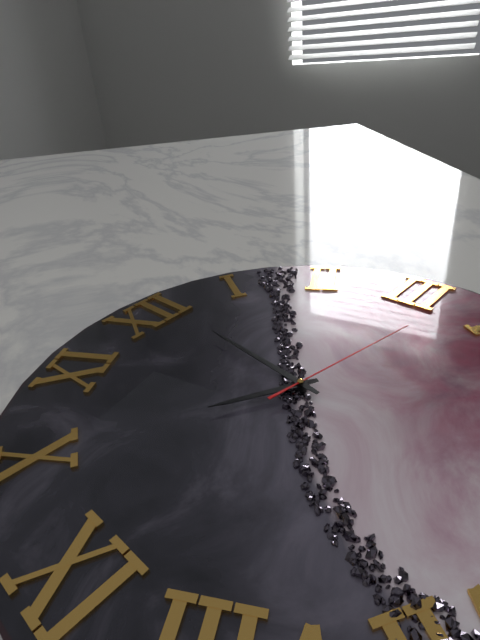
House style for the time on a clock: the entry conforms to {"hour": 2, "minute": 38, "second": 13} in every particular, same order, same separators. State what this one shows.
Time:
{"hour": 10, "minute": 1, "second": 17}
